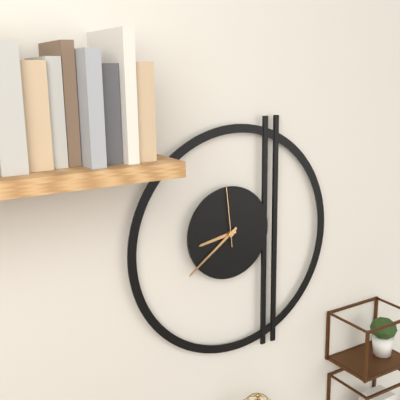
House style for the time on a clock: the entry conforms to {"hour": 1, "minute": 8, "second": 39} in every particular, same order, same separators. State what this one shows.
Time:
{"hour": 8, "minute": 39, "second": 59}
